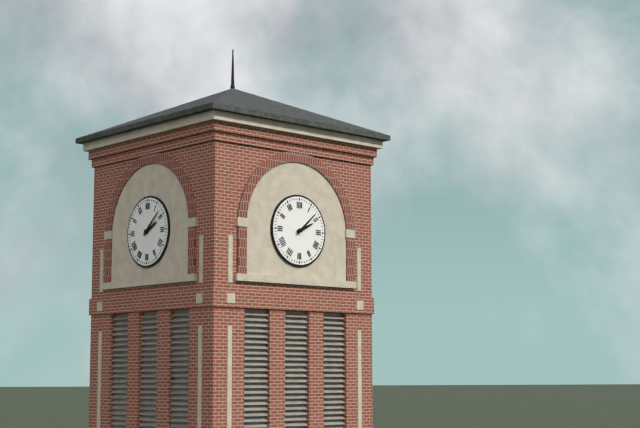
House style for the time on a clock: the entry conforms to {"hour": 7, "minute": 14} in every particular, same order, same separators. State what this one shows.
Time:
{"hour": 2, "minute": 8}
